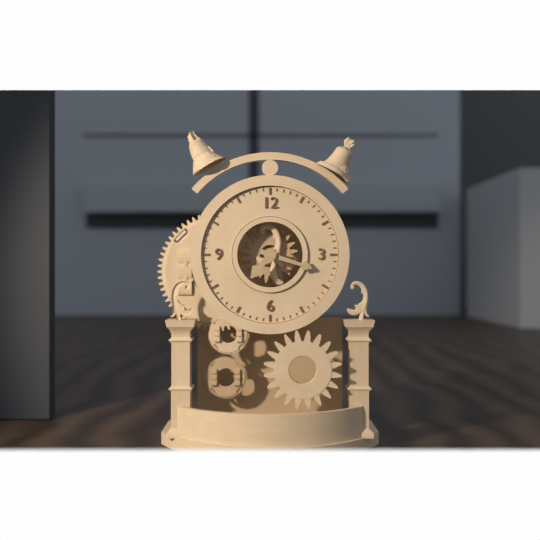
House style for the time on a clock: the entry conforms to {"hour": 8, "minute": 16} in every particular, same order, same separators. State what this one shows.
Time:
{"hour": 7, "minute": 18}
